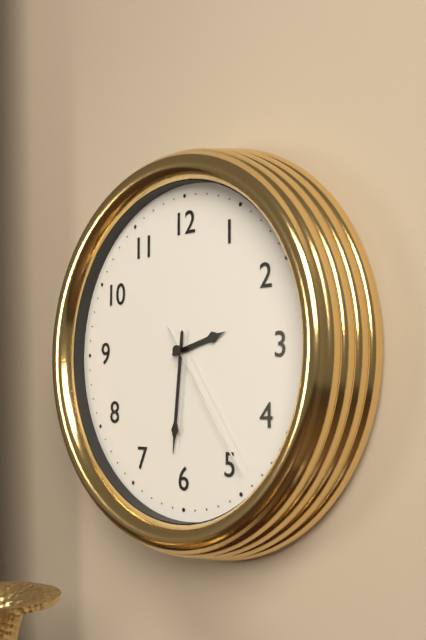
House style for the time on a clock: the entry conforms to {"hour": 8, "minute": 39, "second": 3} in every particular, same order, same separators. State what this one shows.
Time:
{"hour": 2, "minute": 31, "second": 24}
